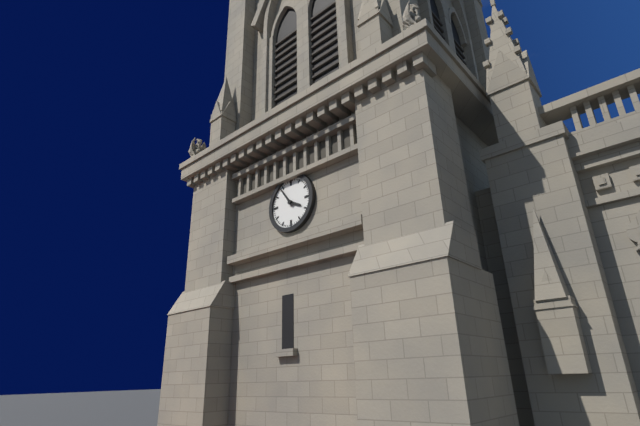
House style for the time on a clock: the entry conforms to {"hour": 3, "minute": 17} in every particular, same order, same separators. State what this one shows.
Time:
{"hour": 3, "minute": 54}
